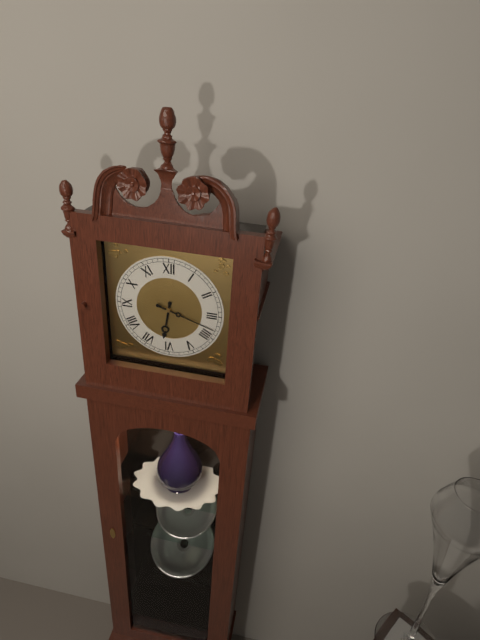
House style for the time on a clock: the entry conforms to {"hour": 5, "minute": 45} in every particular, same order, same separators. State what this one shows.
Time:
{"hour": 6, "minute": 18}
